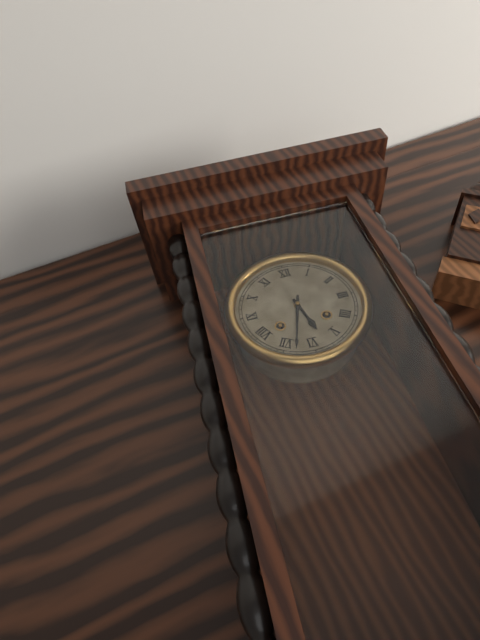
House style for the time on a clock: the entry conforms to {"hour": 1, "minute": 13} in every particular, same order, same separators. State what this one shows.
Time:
{"hour": 5, "minute": 33}
